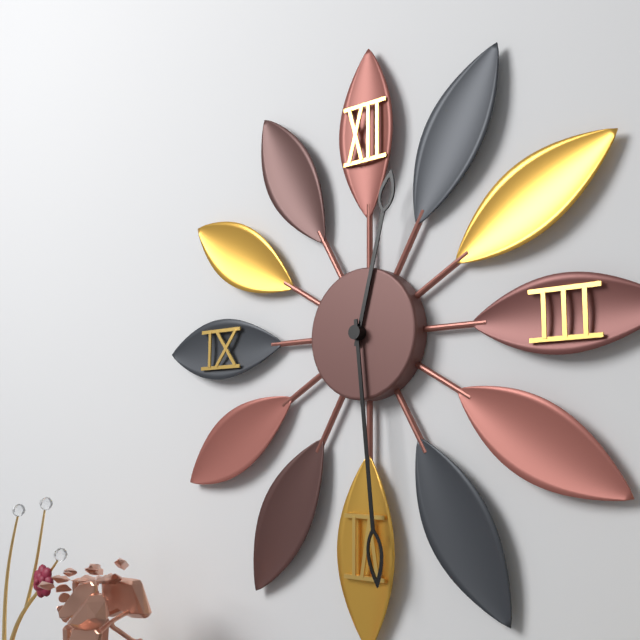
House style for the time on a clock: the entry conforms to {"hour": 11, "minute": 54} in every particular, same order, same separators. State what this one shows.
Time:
{"hour": 12, "minute": 29}
